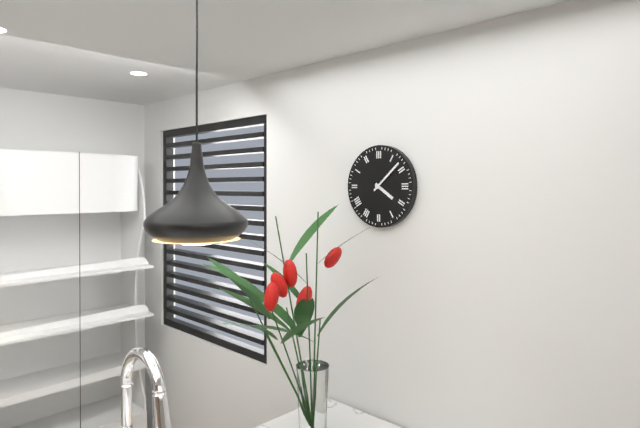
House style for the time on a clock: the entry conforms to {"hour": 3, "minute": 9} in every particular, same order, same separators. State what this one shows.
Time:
{"hour": 4, "minute": 8}
